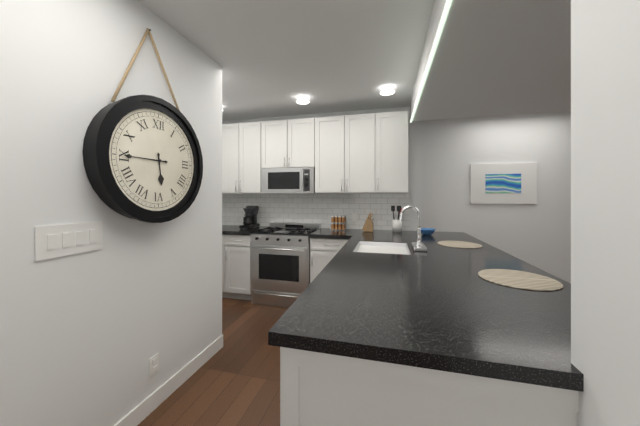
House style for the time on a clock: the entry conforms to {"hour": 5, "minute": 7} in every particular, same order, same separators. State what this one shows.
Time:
{"hour": 5, "minute": 45}
